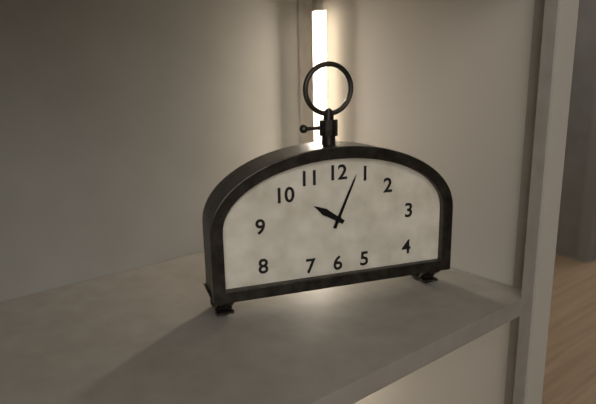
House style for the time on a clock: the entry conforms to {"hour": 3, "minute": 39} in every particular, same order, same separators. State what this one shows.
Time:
{"hour": 10, "minute": 4}
